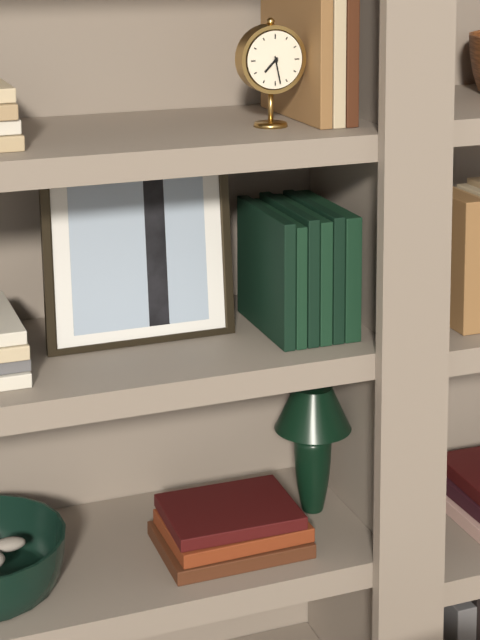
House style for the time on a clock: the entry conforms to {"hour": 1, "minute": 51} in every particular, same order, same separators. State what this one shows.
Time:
{"hour": 7, "minute": 28}
